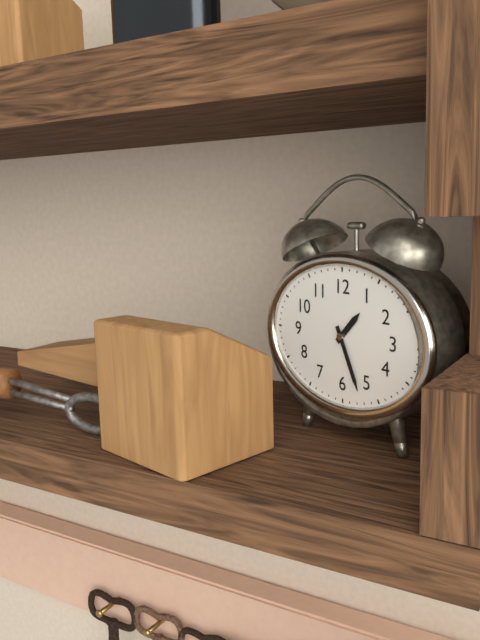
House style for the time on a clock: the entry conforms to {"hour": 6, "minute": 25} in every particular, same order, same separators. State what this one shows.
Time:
{"hour": 1, "minute": 26}
